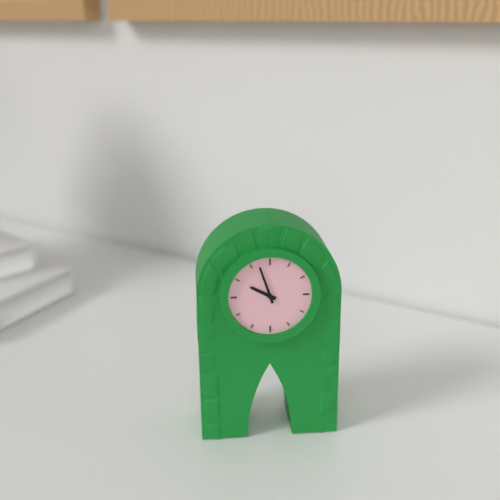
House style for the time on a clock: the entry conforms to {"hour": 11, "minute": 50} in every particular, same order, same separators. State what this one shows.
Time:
{"hour": 9, "minute": 57}
